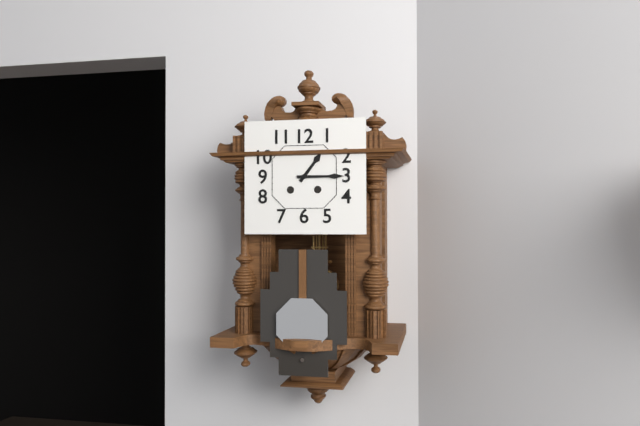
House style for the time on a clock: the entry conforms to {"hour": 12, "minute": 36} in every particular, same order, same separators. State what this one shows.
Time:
{"hour": 1, "minute": 15}
